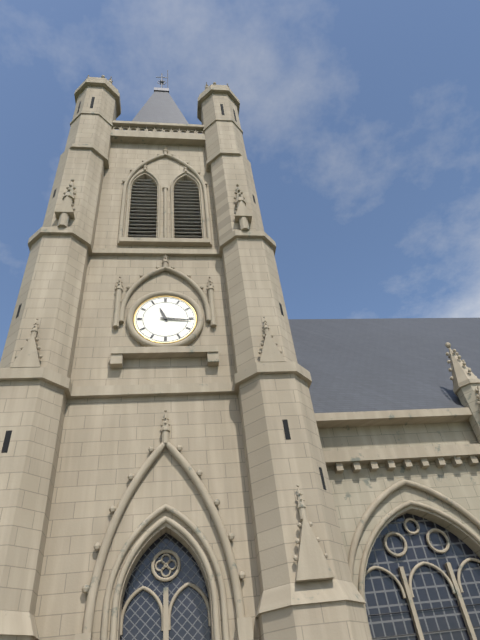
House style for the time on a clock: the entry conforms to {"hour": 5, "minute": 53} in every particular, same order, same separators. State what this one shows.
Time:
{"hour": 11, "minute": 16}
